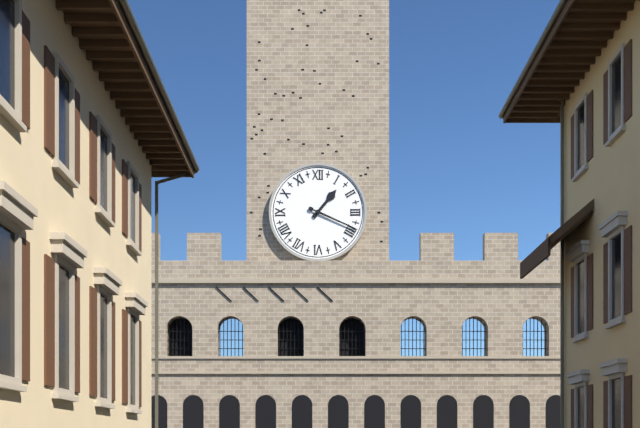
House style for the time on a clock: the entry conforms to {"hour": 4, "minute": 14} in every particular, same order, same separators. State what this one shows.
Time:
{"hour": 1, "minute": 19}
